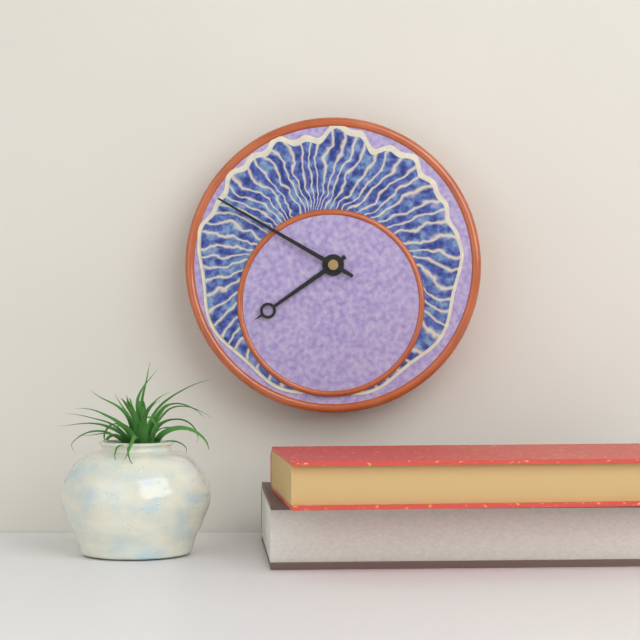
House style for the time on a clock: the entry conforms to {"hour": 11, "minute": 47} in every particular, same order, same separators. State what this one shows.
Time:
{"hour": 7, "minute": 50}
